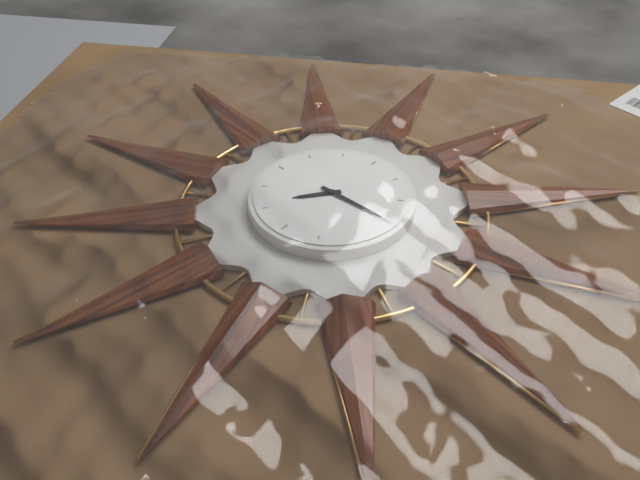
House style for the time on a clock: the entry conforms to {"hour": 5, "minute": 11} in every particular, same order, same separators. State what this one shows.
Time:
{"hour": 7, "minute": 15}
